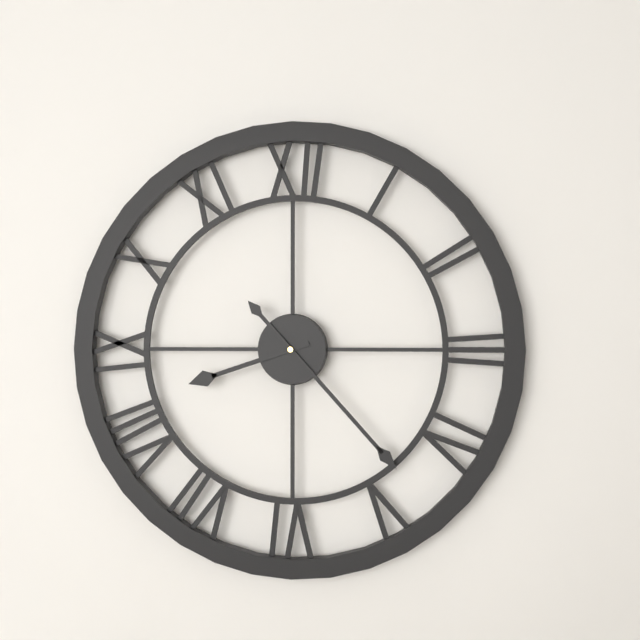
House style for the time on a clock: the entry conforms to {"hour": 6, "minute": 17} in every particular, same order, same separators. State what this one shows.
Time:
{"hour": 8, "minute": 23}
